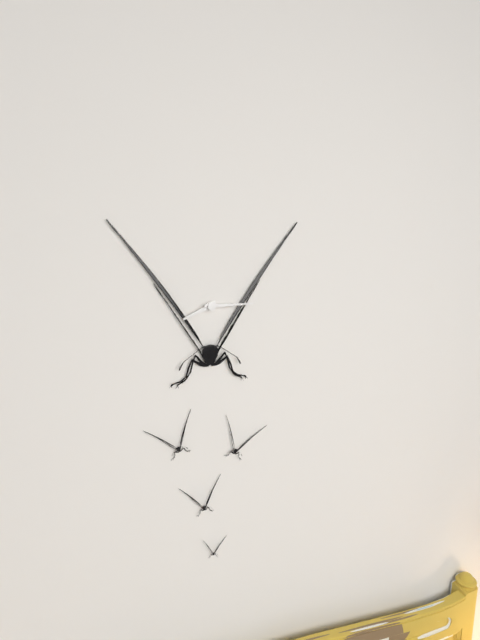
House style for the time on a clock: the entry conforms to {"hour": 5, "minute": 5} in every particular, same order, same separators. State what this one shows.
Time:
{"hour": 8, "minute": 15}
